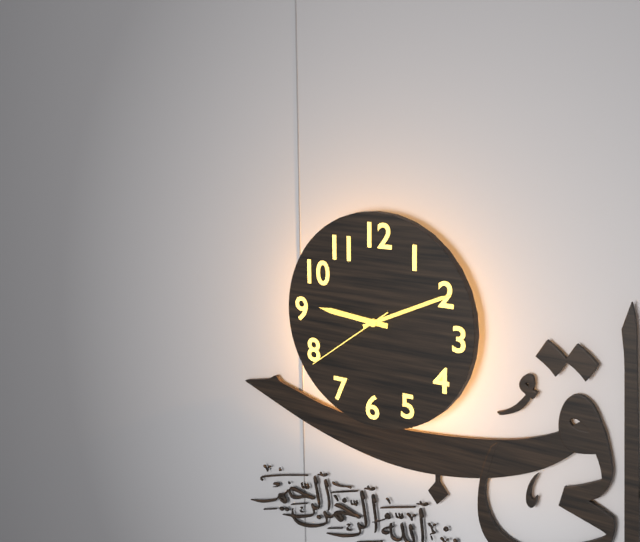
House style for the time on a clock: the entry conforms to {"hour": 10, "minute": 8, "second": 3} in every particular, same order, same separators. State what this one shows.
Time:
{"hour": 9, "minute": 11, "second": 39}
